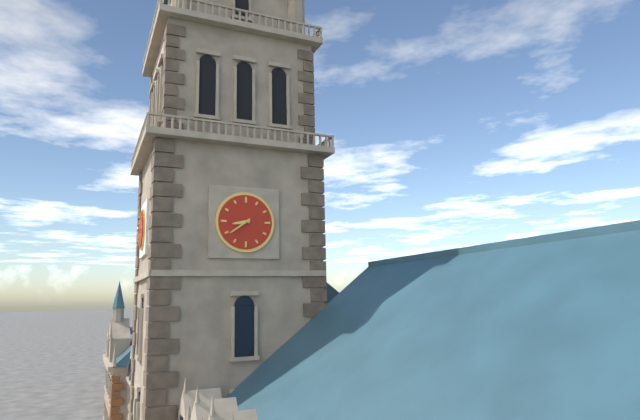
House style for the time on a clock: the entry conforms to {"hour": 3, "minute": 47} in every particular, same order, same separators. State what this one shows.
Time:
{"hour": 8, "minute": 39}
